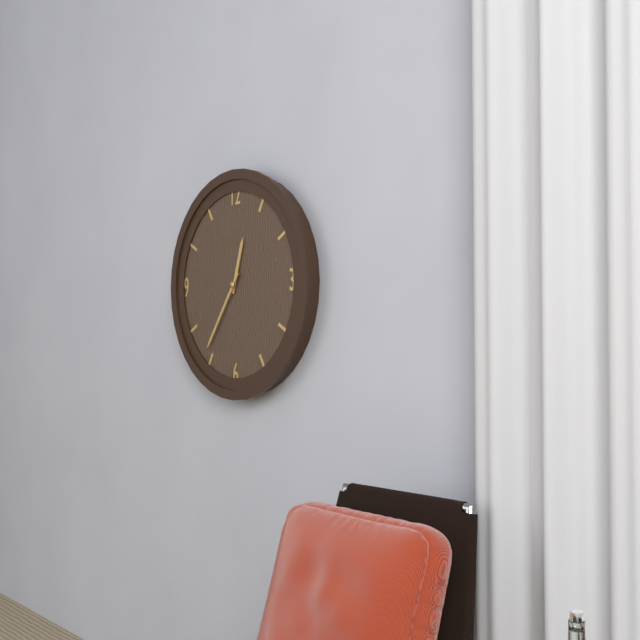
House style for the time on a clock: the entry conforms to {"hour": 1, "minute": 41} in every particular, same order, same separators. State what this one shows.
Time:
{"hour": 12, "minute": 36}
